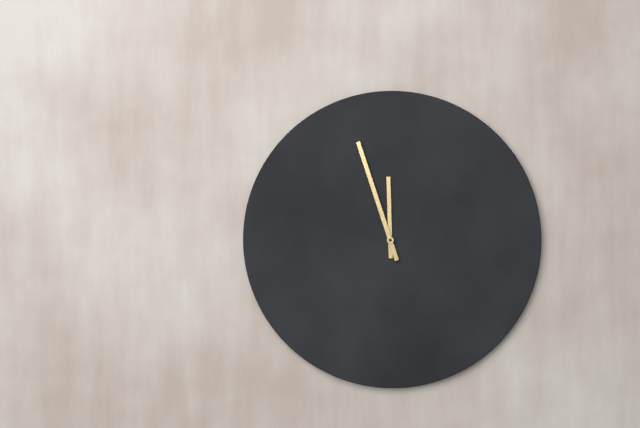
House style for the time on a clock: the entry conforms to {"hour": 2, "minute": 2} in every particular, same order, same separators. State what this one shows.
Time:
{"hour": 11, "minute": 57}
